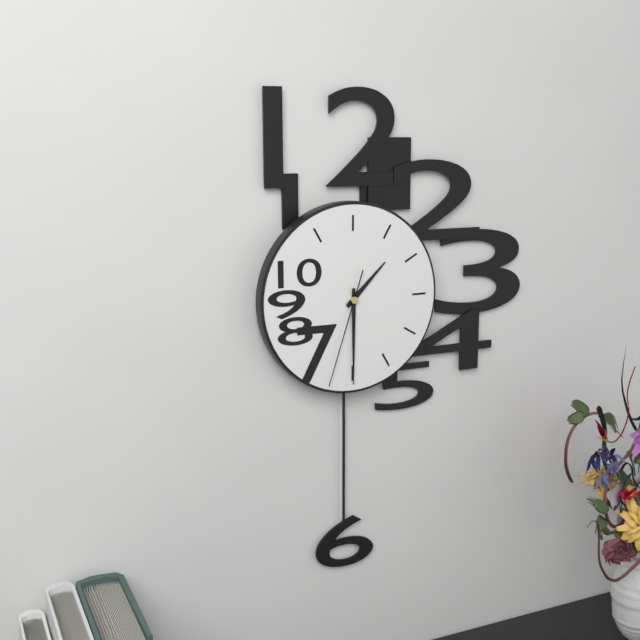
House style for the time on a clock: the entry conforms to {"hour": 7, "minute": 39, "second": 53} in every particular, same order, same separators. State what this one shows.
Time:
{"hour": 1, "minute": 30, "second": 33}
